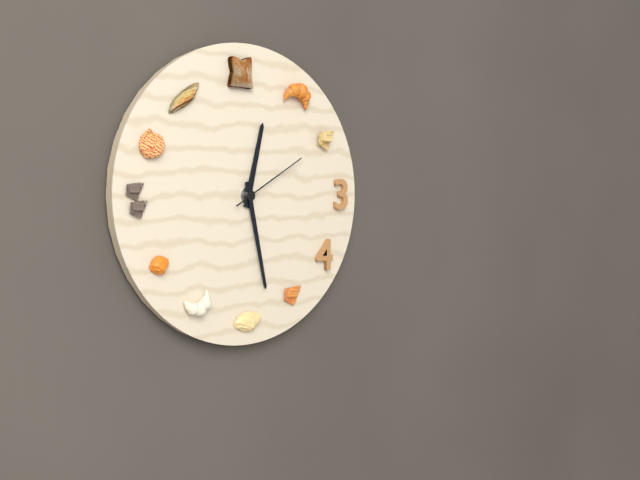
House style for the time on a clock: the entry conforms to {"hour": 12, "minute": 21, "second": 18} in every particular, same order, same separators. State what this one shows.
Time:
{"hour": 12, "minute": 28, "second": 10}
